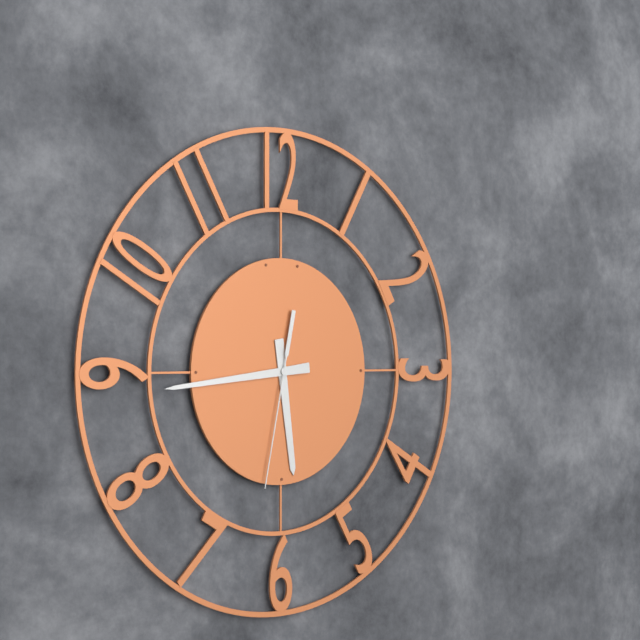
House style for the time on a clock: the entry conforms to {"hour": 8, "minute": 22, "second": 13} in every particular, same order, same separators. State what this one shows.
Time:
{"hour": 5, "minute": 44, "second": 32}
